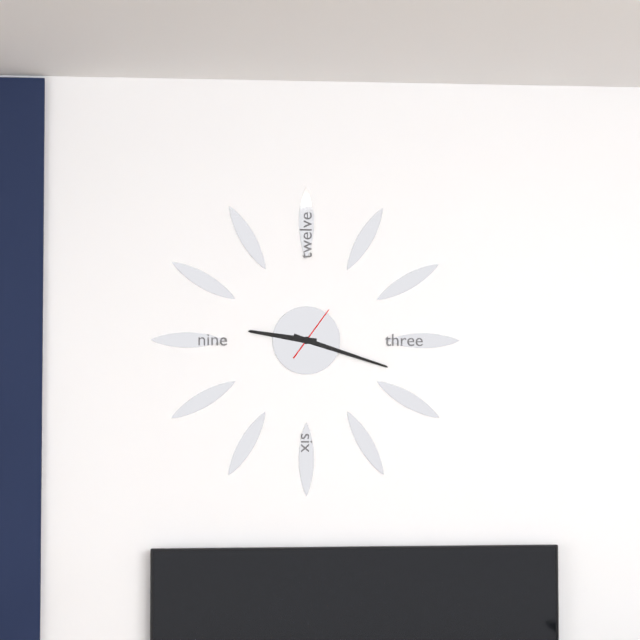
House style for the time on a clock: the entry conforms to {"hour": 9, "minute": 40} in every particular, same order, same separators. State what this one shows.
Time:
{"hour": 9, "minute": 18}
